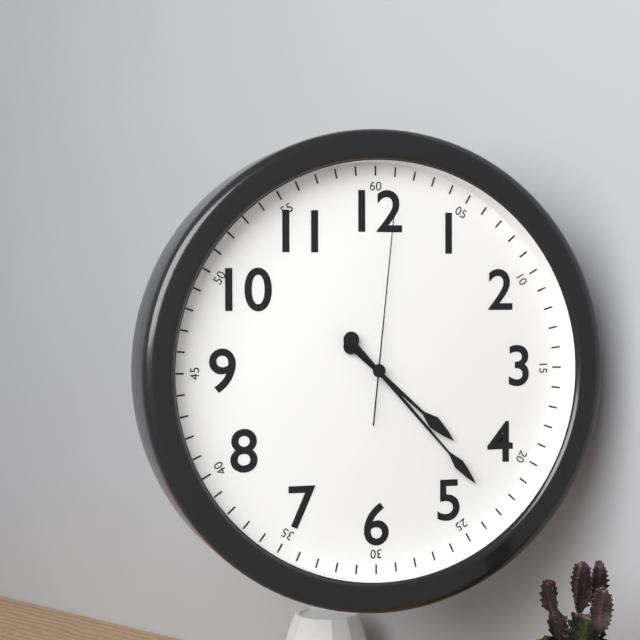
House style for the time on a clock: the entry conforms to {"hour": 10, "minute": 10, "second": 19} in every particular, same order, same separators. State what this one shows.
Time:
{"hour": 4, "minute": 23, "second": 1}
